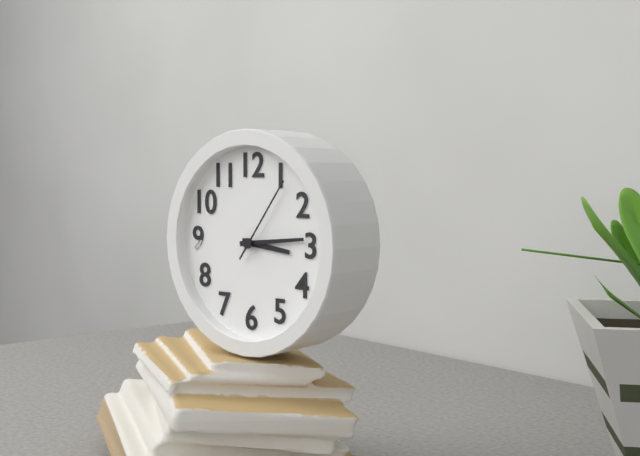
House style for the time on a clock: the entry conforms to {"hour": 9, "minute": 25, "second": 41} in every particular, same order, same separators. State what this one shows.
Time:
{"hour": 3, "minute": 14, "second": 6}
